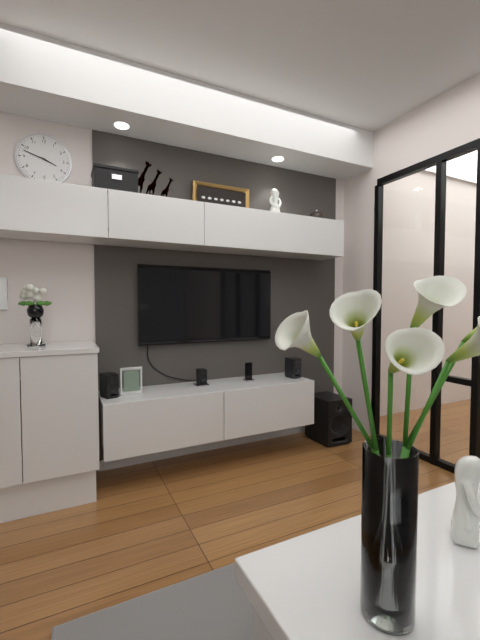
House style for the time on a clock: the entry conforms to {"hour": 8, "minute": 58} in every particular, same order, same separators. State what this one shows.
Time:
{"hour": 3, "minute": 48}
